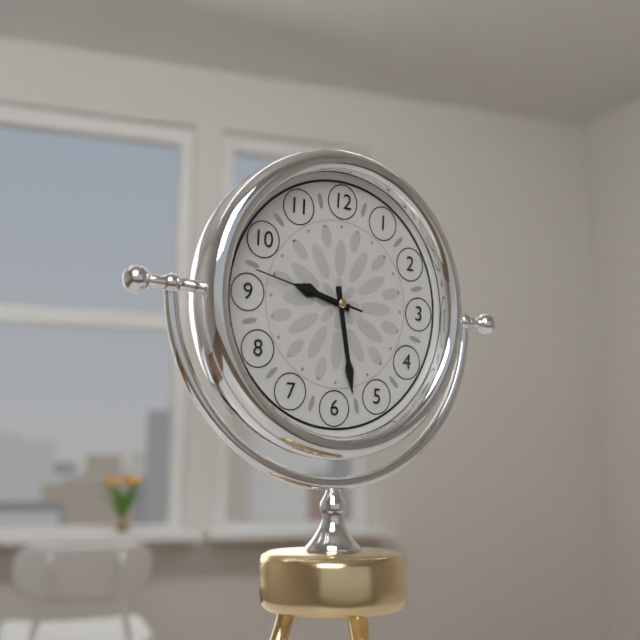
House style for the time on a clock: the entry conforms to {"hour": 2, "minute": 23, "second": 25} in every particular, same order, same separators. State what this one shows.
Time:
{"hour": 9, "minute": 28, "second": 47}
